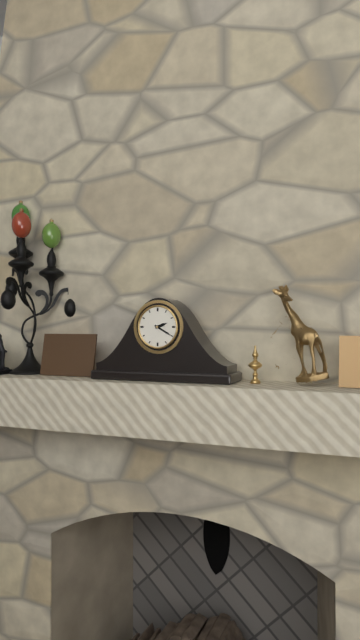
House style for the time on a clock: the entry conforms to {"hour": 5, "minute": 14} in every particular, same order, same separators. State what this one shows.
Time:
{"hour": 2, "minute": 20}
